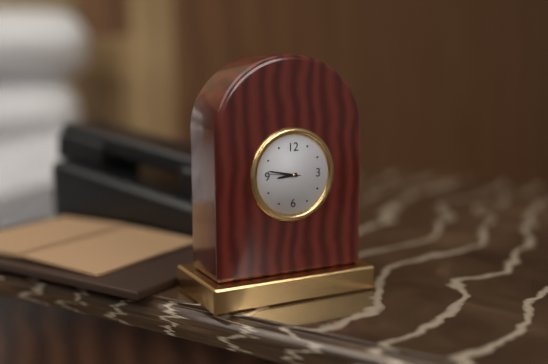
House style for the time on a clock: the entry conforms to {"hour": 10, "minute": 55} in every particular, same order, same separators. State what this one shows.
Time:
{"hour": 8, "minute": 47}
